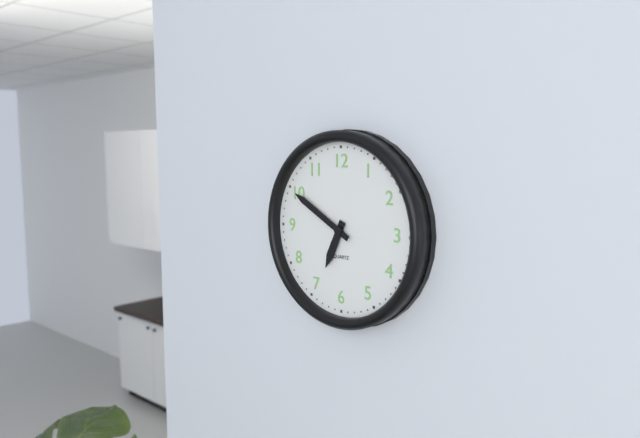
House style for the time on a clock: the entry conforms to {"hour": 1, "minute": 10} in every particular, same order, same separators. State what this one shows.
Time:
{"hour": 6, "minute": 50}
